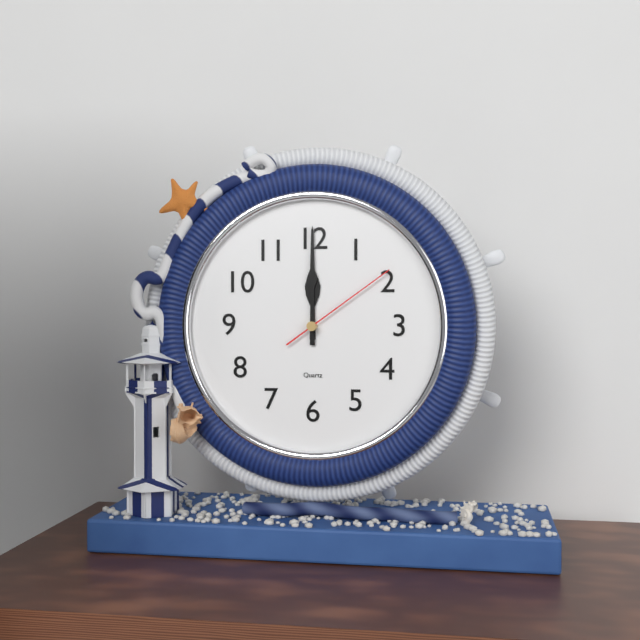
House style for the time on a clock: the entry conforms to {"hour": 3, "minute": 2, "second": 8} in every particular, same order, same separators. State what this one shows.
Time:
{"hour": 12, "minute": 0, "second": 9}
